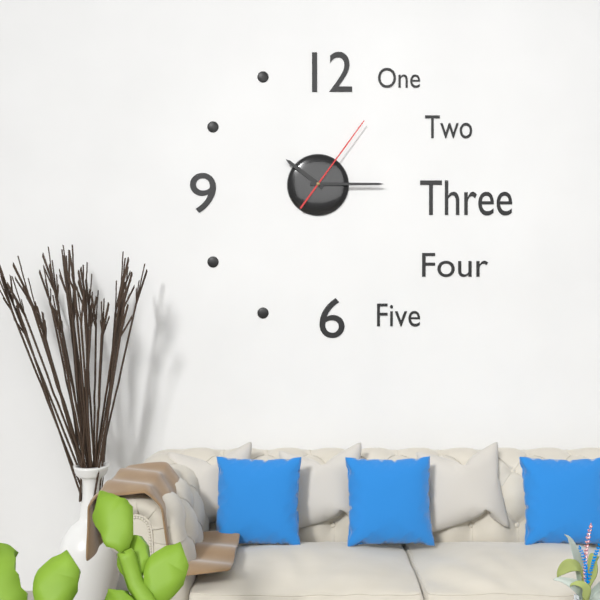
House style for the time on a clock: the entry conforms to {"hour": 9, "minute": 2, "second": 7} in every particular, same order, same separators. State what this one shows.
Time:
{"hour": 10, "minute": 15, "second": 6}
